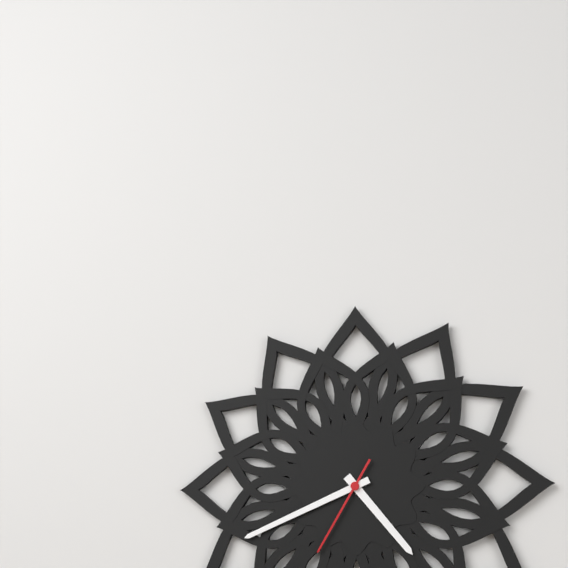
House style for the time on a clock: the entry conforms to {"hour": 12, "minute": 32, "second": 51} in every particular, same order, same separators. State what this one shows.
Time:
{"hour": 4, "minute": 41, "second": 35}
